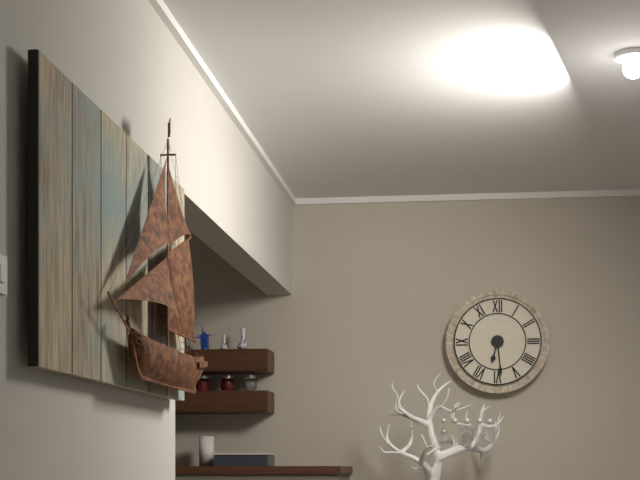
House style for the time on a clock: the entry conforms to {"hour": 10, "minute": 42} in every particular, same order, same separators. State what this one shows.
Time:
{"hour": 6, "minute": 29}
